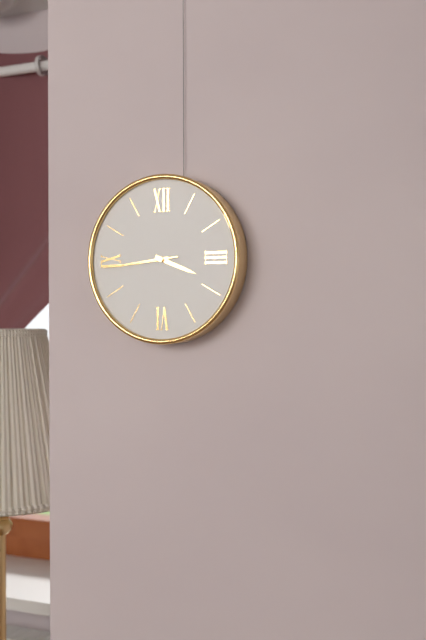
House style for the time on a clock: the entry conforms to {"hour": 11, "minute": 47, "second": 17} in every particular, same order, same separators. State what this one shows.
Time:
{"hour": 3, "minute": 44, "second": 44}
